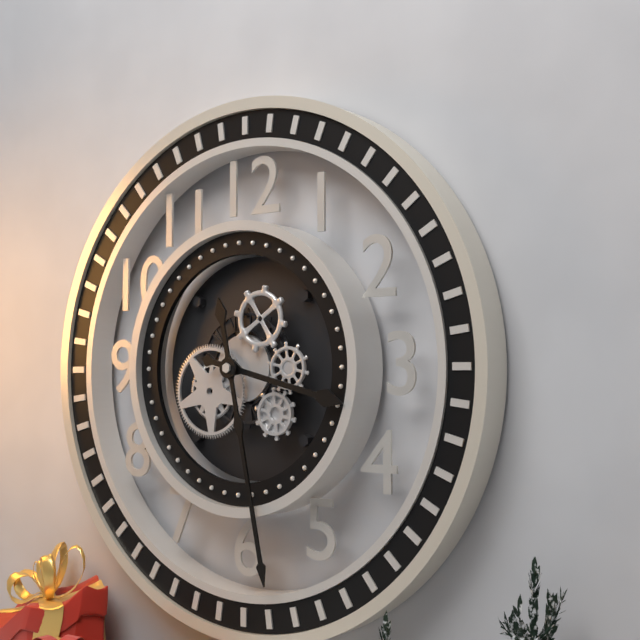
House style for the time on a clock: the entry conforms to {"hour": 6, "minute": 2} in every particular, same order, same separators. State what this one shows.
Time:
{"hour": 3, "minute": 28}
